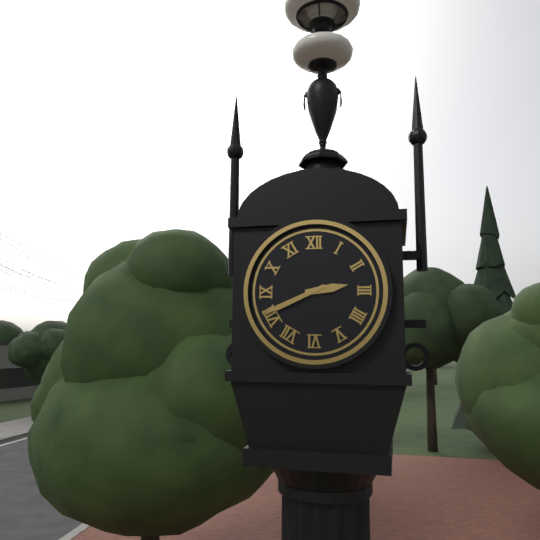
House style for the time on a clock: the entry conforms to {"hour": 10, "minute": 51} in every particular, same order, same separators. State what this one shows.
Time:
{"hour": 2, "minute": 41}
